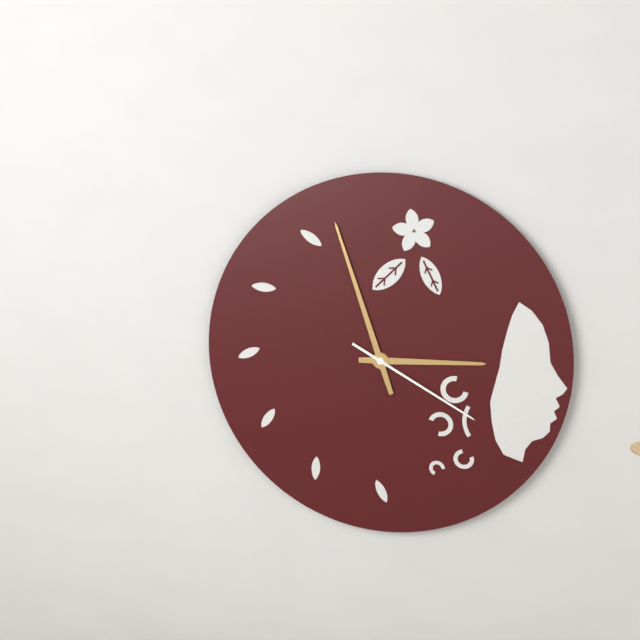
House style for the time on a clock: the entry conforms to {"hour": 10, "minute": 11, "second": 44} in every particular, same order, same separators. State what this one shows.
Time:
{"hour": 2, "minute": 57, "second": 20}
